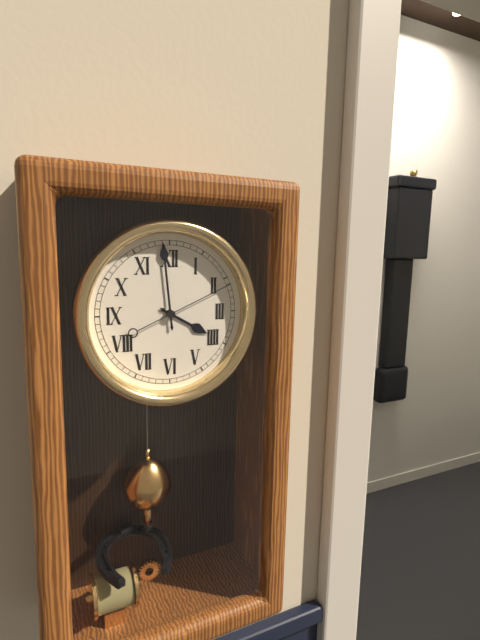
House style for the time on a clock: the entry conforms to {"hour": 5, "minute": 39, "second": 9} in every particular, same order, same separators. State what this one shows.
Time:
{"hour": 3, "minute": 59, "second": 11}
